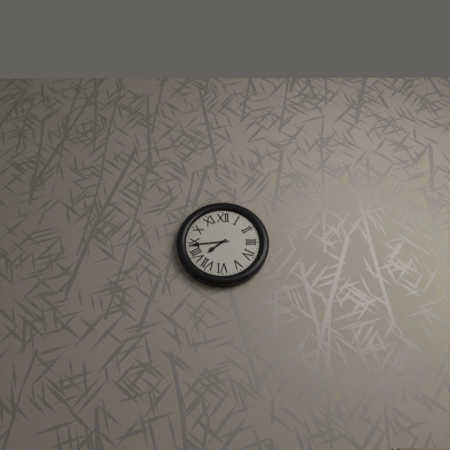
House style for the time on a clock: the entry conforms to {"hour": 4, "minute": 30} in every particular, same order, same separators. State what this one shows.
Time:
{"hour": 7, "minute": 44}
